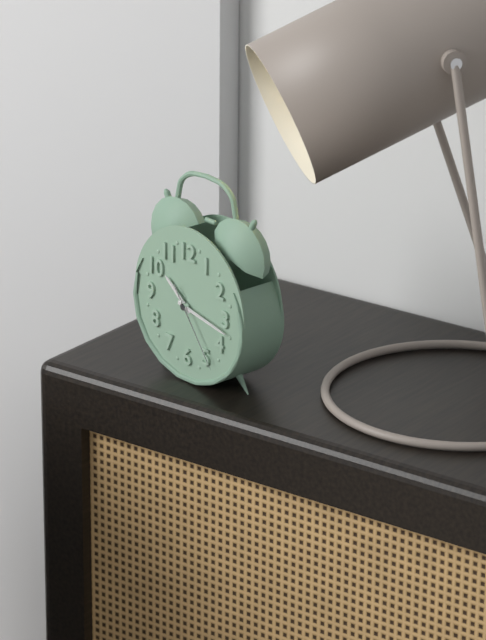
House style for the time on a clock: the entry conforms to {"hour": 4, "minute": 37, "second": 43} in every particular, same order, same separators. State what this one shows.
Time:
{"hour": 10, "minute": 17, "second": 24}
